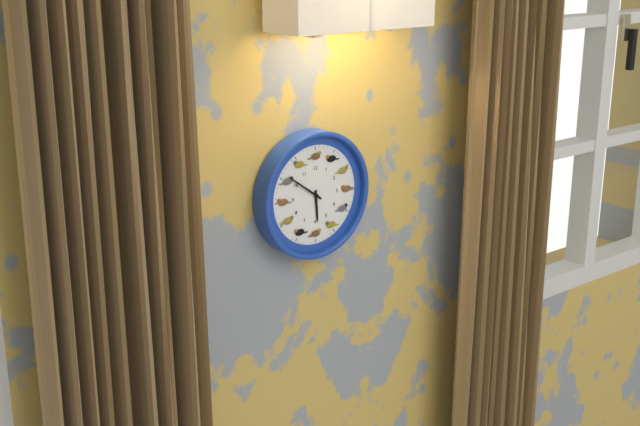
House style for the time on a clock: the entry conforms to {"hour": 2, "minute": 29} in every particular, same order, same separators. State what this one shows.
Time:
{"hour": 5, "minute": 51}
